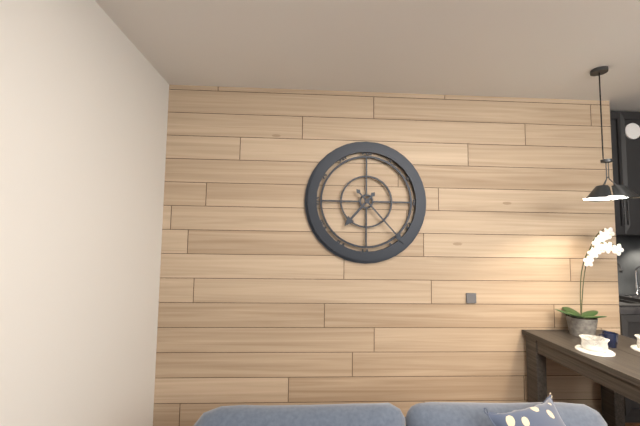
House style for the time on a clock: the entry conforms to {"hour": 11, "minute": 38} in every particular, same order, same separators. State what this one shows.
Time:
{"hour": 7, "minute": 23}
